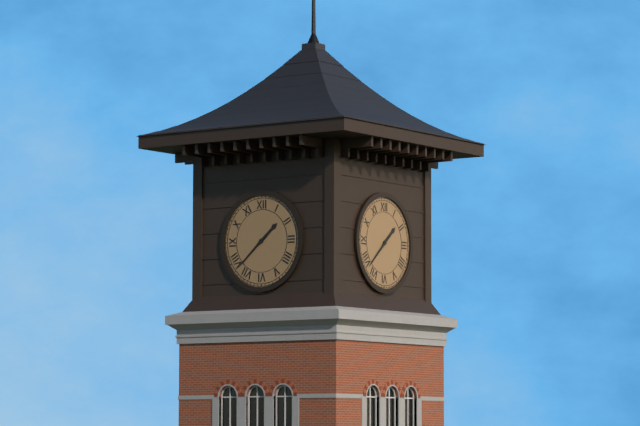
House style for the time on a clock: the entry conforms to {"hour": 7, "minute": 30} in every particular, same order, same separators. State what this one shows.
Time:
{"hour": 1, "minute": 38}
